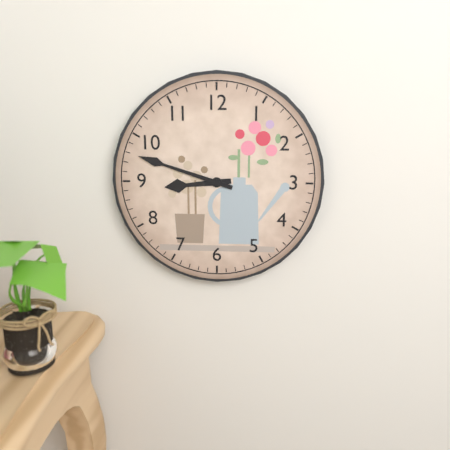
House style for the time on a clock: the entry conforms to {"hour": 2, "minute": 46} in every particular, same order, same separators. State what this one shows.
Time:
{"hour": 8, "minute": 48}
